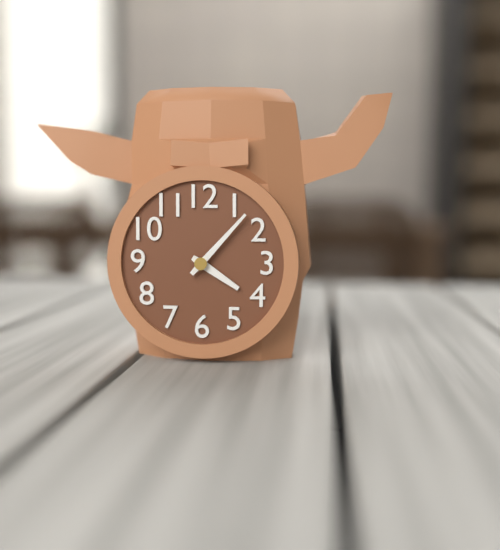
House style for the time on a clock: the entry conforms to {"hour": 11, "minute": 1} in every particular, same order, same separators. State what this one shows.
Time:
{"hour": 4, "minute": 7}
